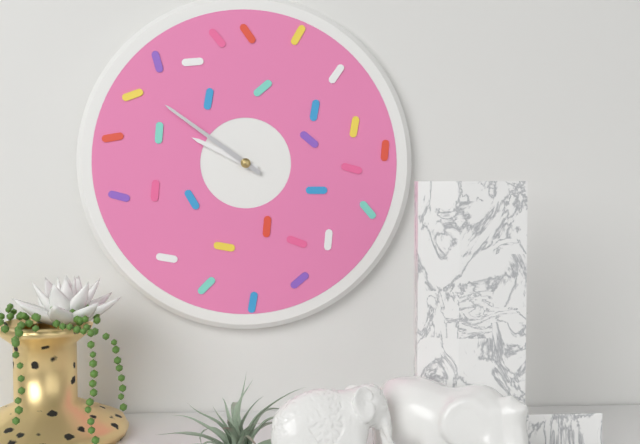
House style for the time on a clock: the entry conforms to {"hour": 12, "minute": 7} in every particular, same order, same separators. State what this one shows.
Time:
{"hour": 9, "minute": 51}
